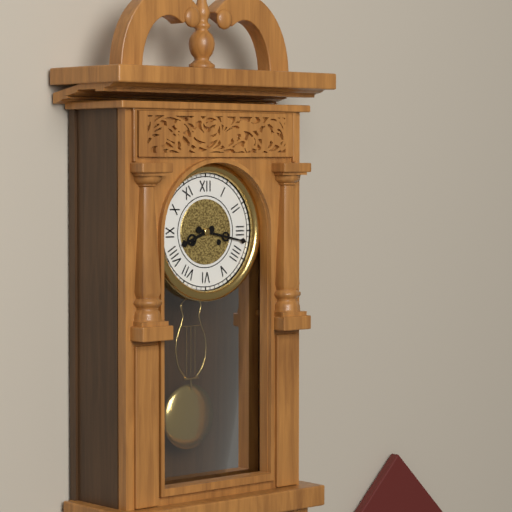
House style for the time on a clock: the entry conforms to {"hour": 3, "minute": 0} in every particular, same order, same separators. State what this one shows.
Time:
{"hour": 8, "minute": 17}
